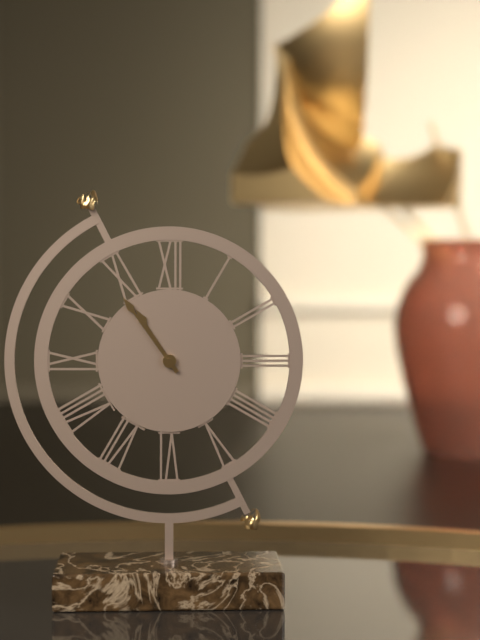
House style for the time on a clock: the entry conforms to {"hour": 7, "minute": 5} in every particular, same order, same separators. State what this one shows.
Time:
{"hour": 10, "minute": 54}
